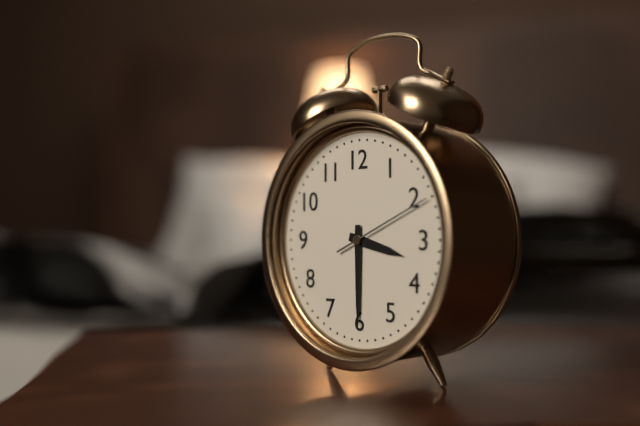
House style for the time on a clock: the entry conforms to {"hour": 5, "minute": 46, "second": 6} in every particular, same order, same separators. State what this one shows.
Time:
{"hour": 3, "minute": 30, "second": 11}
